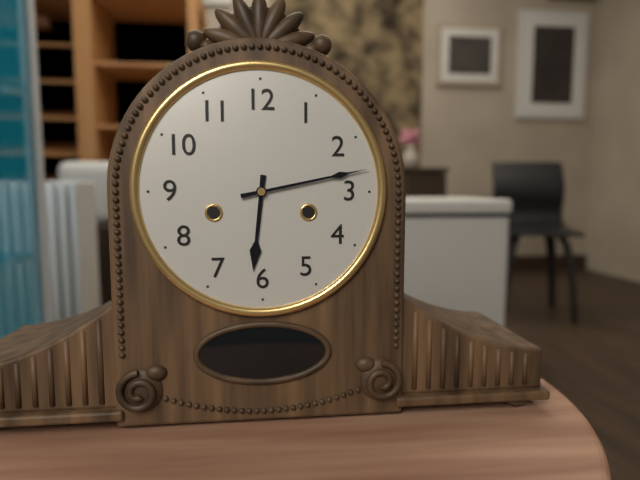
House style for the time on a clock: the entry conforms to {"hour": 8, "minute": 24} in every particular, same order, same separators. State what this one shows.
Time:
{"hour": 6, "minute": 13}
